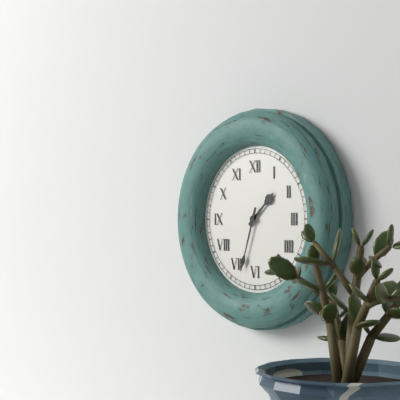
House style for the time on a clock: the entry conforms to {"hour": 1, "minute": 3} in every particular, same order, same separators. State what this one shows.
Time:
{"hour": 1, "minute": 33}
